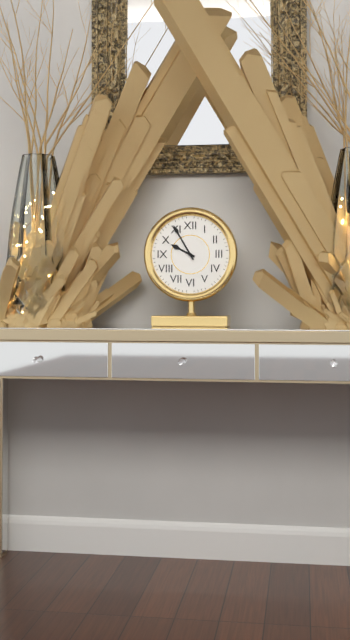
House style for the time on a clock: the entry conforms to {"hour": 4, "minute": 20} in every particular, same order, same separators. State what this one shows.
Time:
{"hour": 9, "minute": 55}
